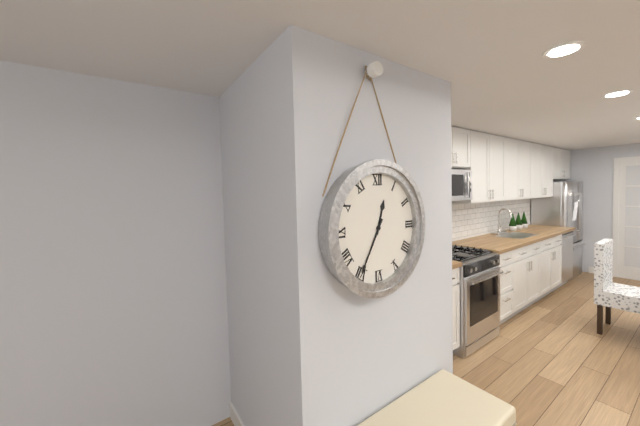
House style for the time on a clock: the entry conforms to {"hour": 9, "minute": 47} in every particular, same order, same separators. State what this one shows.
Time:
{"hour": 12, "minute": 35}
